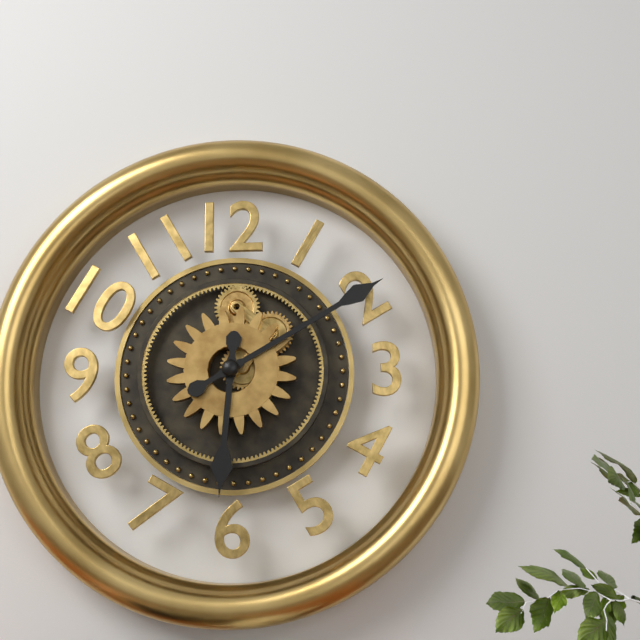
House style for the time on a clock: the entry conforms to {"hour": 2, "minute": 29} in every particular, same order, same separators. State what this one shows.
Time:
{"hour": 6, "minute": 10}
